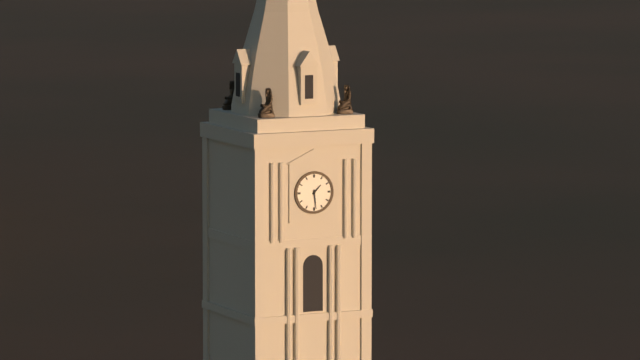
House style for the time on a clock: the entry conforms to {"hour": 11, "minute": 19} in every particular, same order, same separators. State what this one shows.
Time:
{"hour": 1, "minute": 29}
